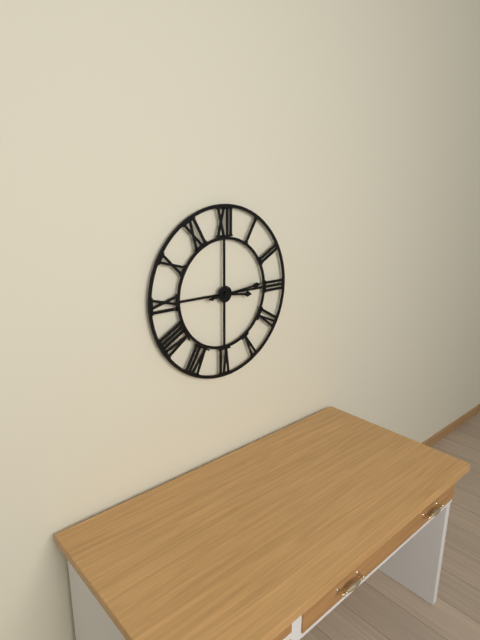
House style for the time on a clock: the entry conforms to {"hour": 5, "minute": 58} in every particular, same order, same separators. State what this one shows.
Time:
{"hour": 3, "minute": 14}
